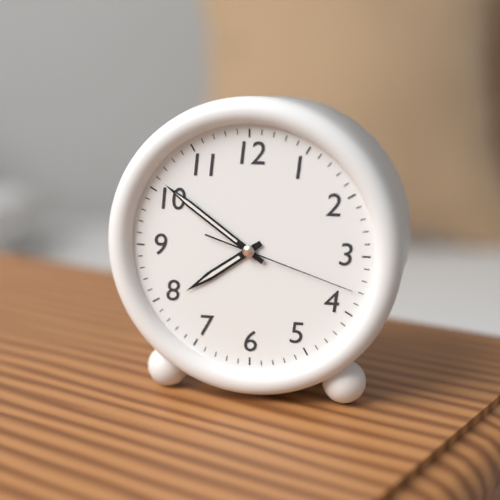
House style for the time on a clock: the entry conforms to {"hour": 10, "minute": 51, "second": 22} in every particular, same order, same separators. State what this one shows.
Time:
{"hour": 7, "minute": 51, "second": 18}
